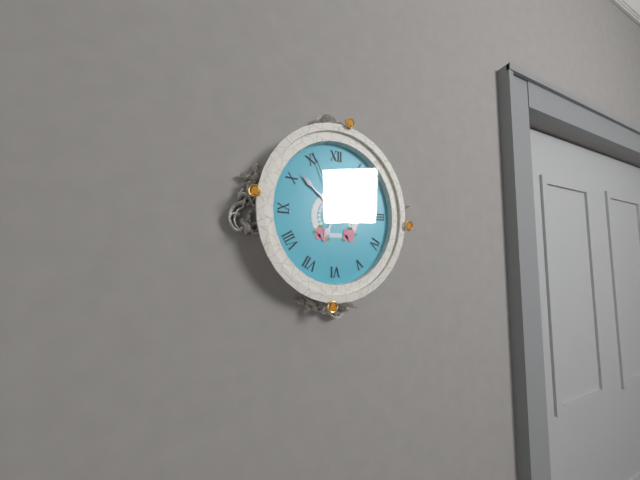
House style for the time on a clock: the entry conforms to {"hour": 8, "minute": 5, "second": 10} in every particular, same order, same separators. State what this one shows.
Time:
{"hour": 6, "minute": 52, "second": 56}
